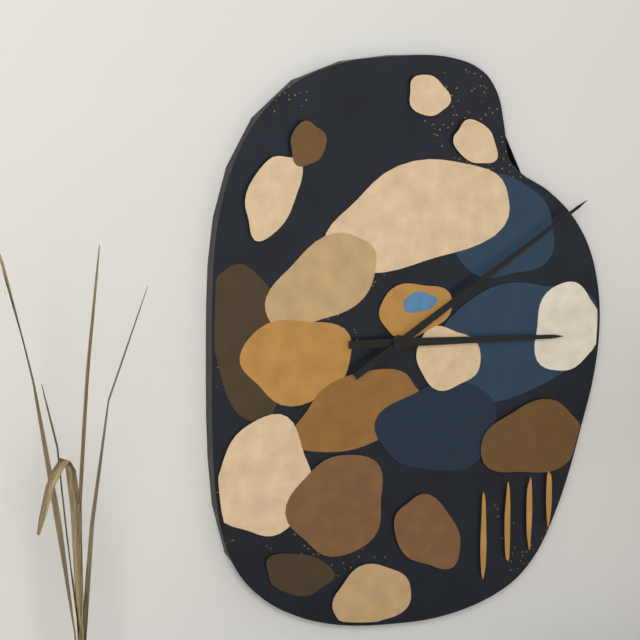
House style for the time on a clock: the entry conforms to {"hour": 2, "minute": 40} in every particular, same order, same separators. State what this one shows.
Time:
{"hour": 3, "minute": 10}
